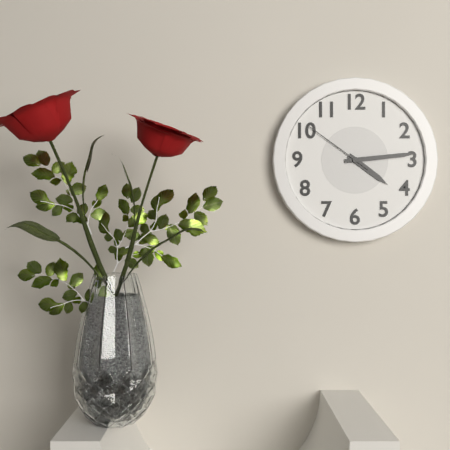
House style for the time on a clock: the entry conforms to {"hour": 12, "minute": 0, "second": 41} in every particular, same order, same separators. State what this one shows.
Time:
{"hour": 4, "minute": 14, "second": 51}
